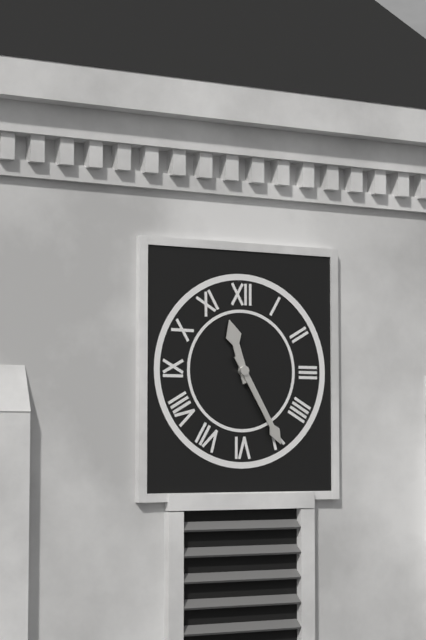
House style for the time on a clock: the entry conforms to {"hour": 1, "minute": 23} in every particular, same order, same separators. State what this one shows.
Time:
{"hour": 11, "minute": 25}
